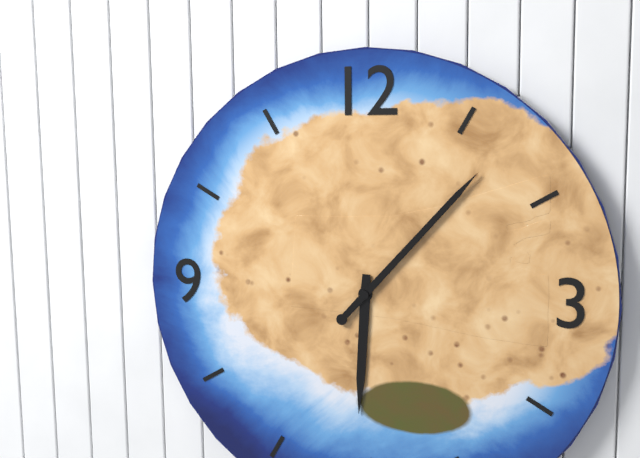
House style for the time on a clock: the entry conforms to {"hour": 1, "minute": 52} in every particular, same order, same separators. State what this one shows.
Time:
{"hour": 6, "minute": 7}
